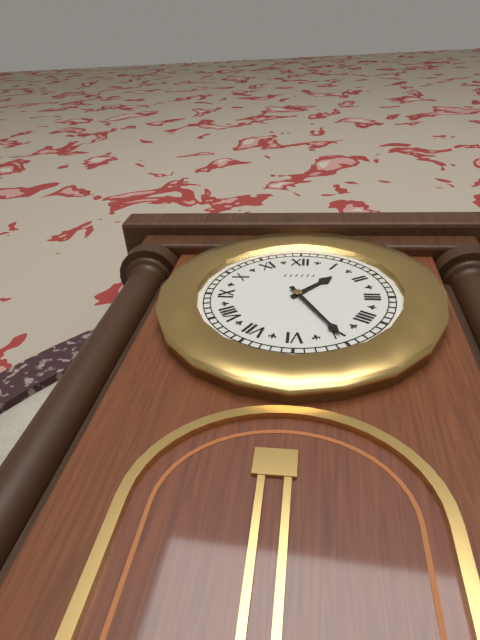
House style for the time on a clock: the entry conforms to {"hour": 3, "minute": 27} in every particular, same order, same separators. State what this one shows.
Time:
{"hour": 1, "minute": 25}
